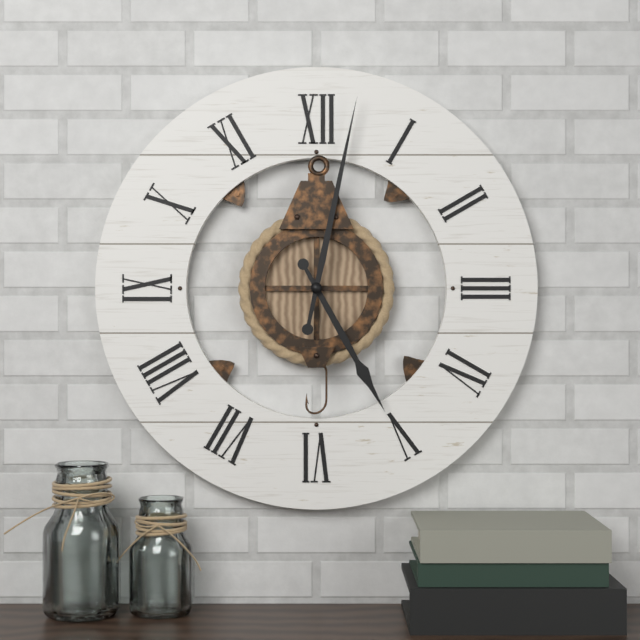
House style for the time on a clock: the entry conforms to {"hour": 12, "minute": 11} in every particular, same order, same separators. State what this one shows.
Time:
{"hour": 5, "minute": 2}
